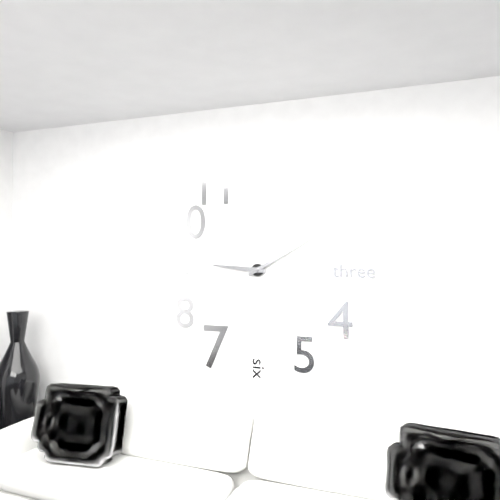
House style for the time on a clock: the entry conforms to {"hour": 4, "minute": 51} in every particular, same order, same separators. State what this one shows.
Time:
{"hour": 9, "minute": 10}
